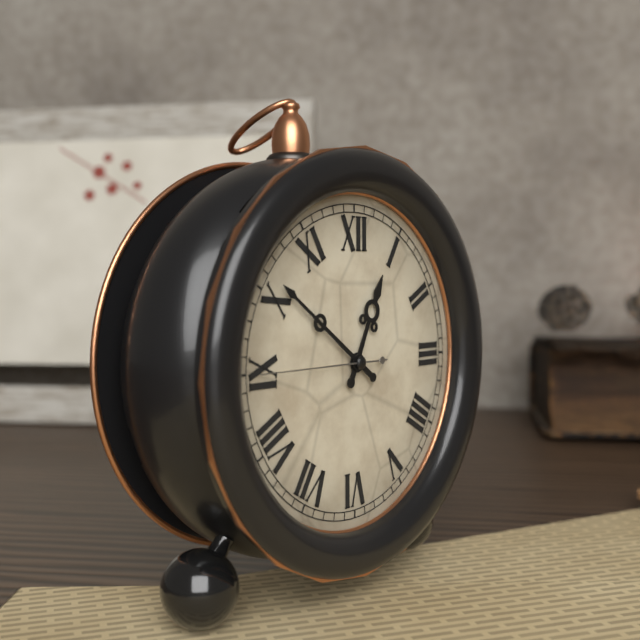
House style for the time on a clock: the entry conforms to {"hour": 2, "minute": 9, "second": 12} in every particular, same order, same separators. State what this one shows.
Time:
{"hour": 12, "minute": 51, "second": 45}
